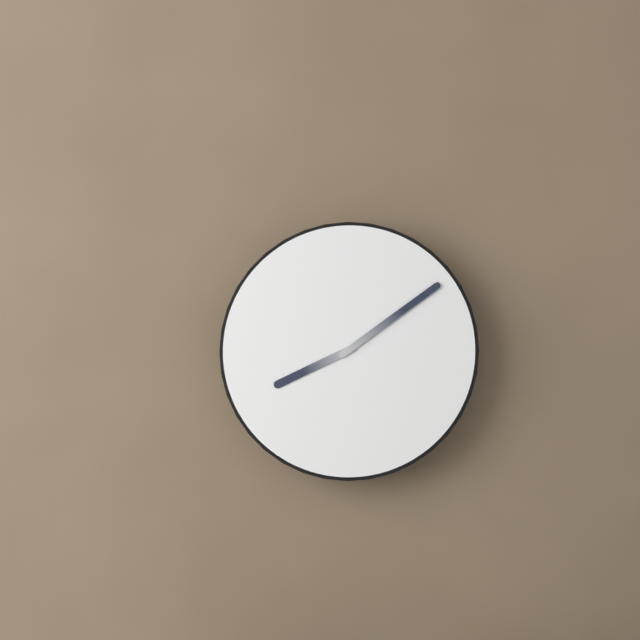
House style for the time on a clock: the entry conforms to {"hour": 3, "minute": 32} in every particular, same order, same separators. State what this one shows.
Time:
{"hour": 8, "minute": 9}
